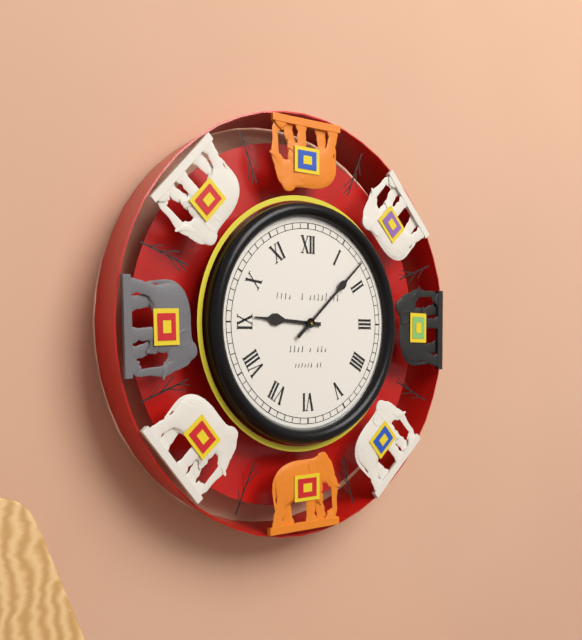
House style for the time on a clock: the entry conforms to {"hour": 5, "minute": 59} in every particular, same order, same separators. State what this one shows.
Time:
{"hour": 9, "minute": 8}
